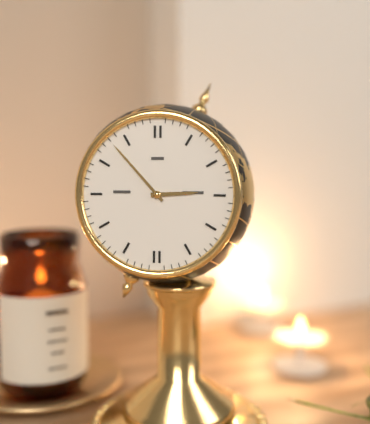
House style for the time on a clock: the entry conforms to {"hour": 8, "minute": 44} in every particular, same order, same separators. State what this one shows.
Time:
{"hour": 2, "minute": 53}
